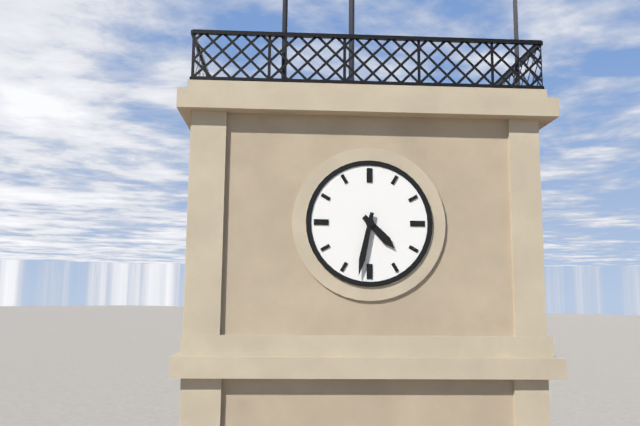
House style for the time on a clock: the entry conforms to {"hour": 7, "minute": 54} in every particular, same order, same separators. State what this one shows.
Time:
{"hour": 4, "minute": 32}
